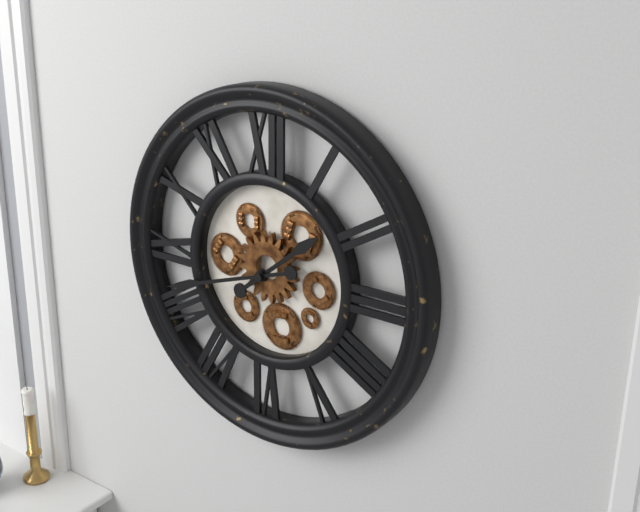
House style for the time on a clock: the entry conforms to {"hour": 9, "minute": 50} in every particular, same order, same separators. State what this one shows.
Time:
{"hour": 1, "minute": 42}
